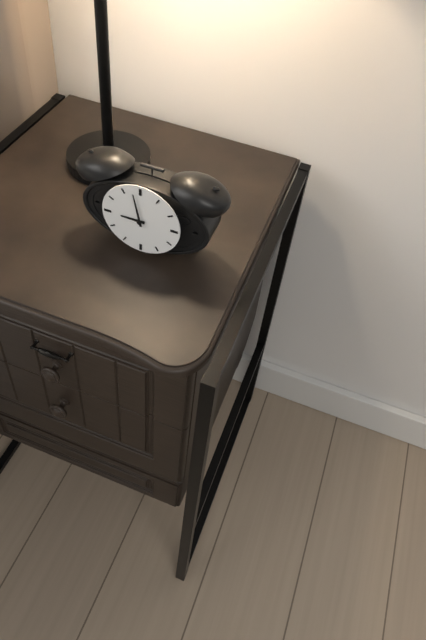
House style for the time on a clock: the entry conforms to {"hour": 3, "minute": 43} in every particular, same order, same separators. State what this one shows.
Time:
{"hour": 8, "minute": 58}
